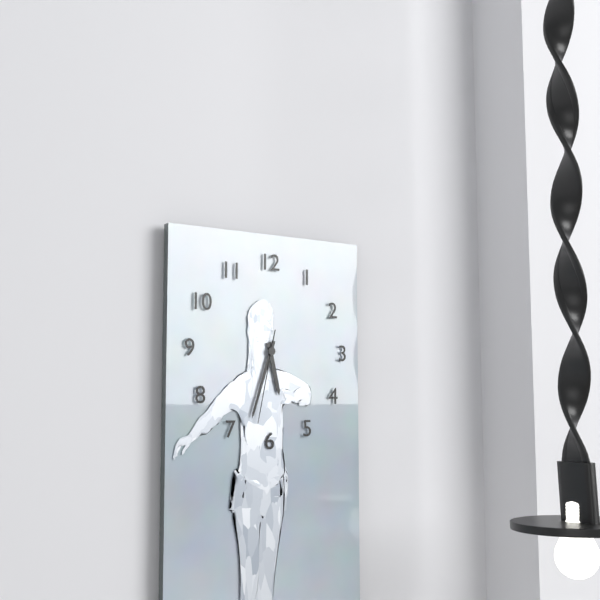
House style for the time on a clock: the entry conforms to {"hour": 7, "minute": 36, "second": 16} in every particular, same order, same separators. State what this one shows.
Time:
{"hour": 5, "minute": 33, "second": 32}
